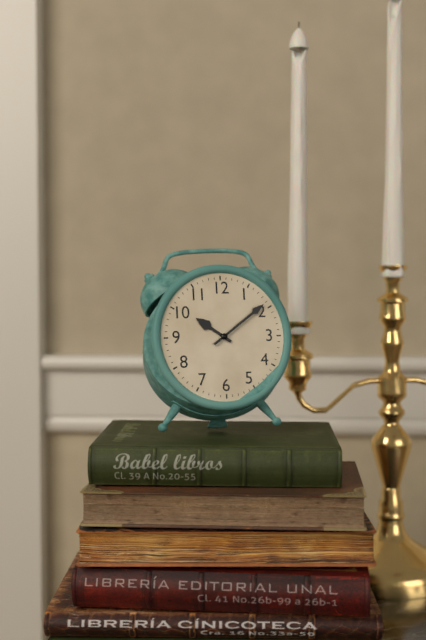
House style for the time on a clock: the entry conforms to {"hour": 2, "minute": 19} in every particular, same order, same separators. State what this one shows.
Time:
{"hour": 10, "minute": 9}
